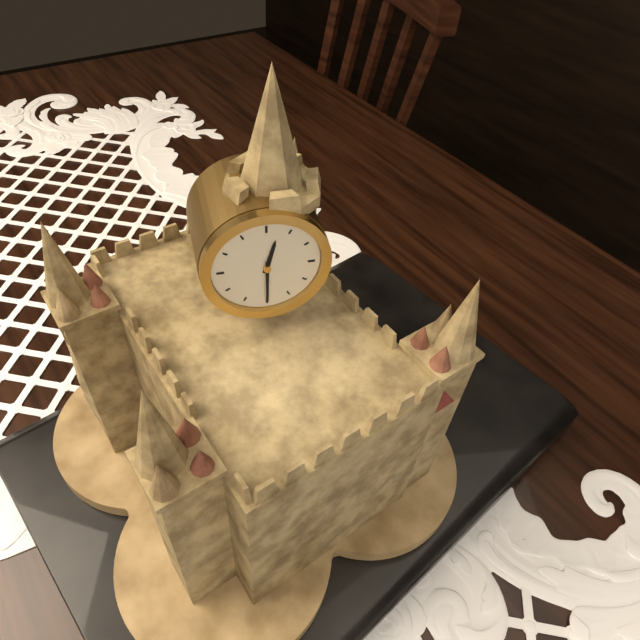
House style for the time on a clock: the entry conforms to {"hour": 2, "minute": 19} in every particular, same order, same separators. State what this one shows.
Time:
{"hour": 12, "minute": 30}
